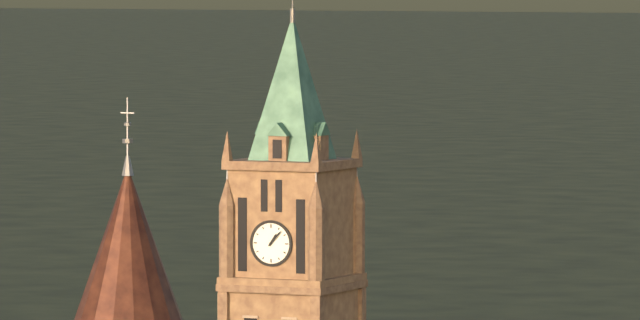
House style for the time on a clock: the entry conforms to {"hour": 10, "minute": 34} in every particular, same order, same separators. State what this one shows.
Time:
{"hour": 1, "minute": 7}
